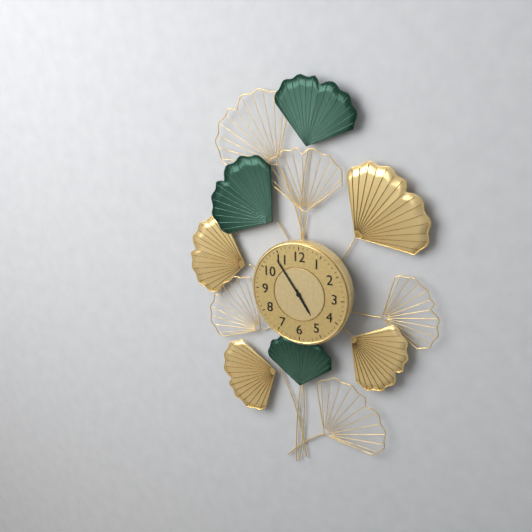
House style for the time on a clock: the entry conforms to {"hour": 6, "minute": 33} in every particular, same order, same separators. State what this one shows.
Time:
{"hour": 4, "minute": 54}
